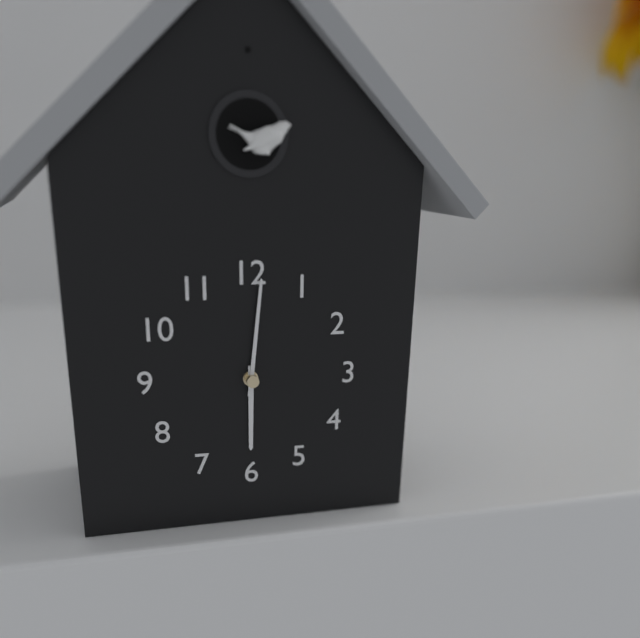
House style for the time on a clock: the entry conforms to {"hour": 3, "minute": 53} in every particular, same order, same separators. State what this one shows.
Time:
{"hour": 6, "minute": 1}
